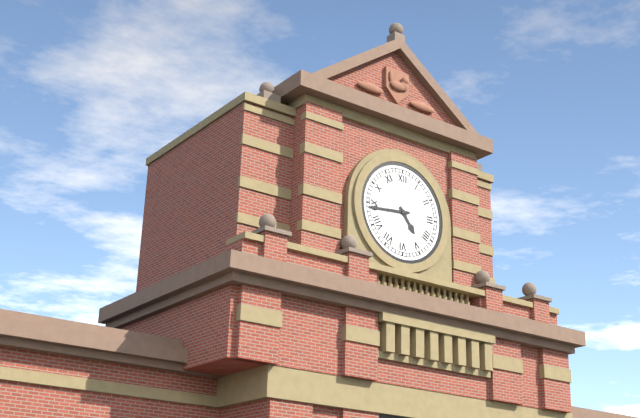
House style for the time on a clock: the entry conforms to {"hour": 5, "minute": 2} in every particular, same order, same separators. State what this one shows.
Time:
{"hour": 4, "minute": 44}
